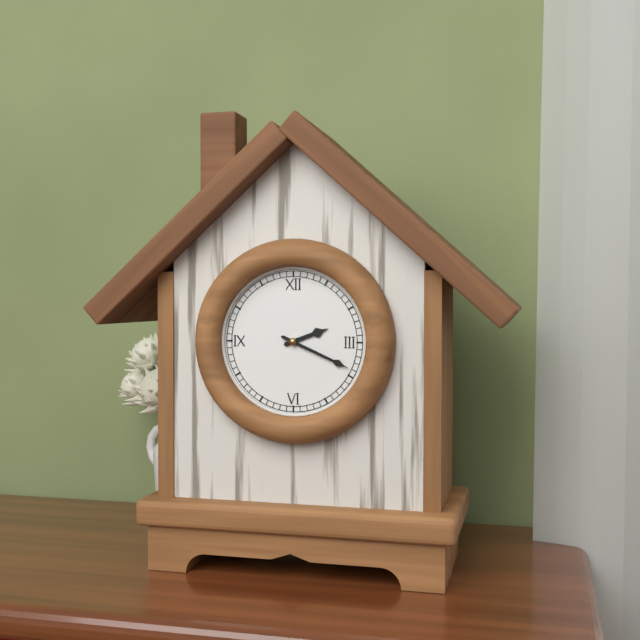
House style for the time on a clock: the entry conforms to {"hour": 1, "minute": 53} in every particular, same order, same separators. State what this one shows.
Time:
{"hour": 2, "minute": 19}
